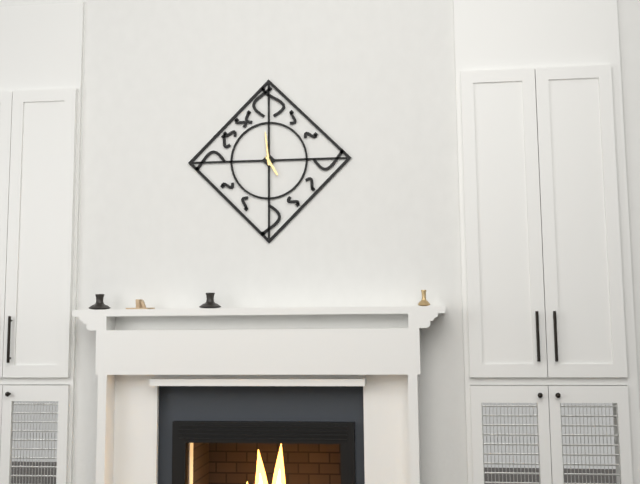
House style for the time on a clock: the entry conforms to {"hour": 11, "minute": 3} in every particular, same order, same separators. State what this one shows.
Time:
{"hour": 4, "minute": 59}
